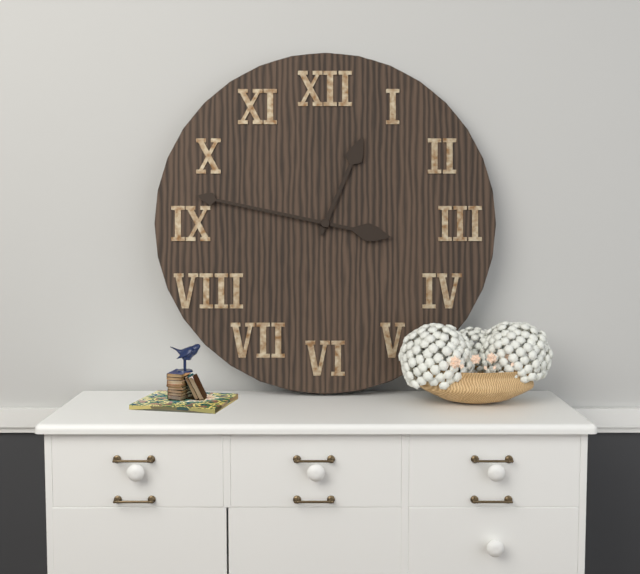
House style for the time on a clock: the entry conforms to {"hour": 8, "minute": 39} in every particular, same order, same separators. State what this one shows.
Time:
{"hour": 12, "minute": 47}
